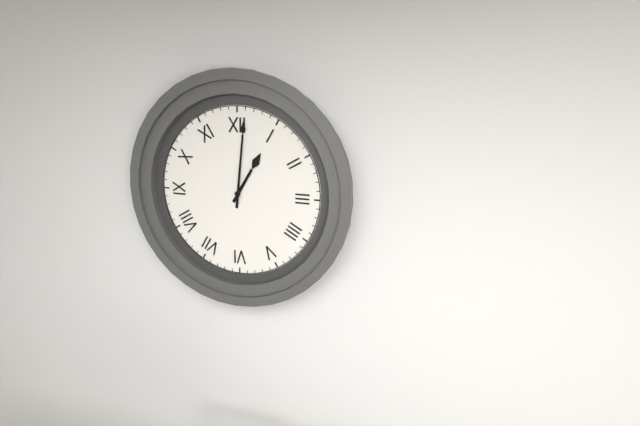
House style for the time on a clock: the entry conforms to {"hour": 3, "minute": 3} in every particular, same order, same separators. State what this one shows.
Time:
{"hour": 1, "minute": 1}
